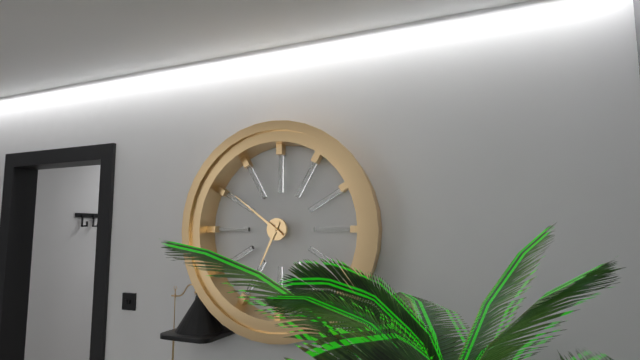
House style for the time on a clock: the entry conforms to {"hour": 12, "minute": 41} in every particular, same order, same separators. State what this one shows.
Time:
{"hour": 6, "minute": 51}
